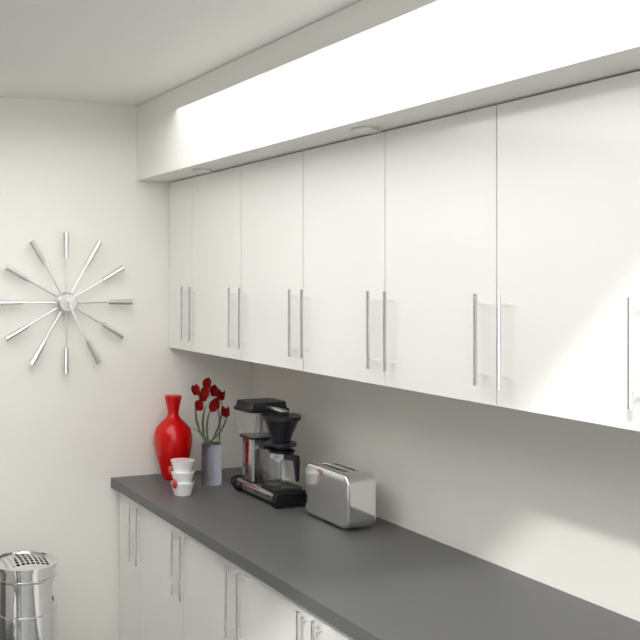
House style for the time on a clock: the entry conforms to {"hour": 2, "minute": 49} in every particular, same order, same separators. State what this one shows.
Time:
{"hour": 1, "minute": 26}
